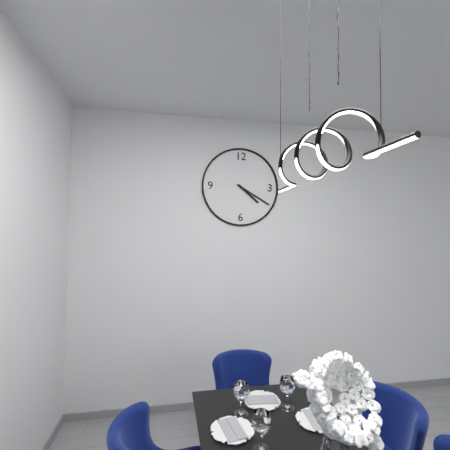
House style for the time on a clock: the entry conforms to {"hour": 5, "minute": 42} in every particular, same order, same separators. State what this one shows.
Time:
{"hour": 4, "minute": 20}
